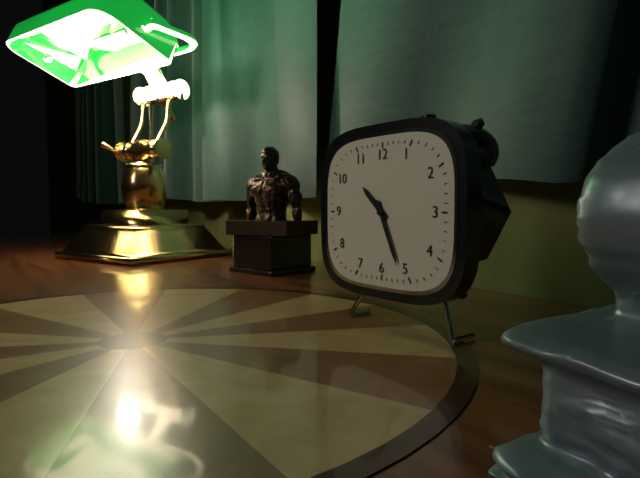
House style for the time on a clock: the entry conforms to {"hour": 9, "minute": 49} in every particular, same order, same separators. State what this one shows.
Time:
{"hour": 10, "minute": 26}
